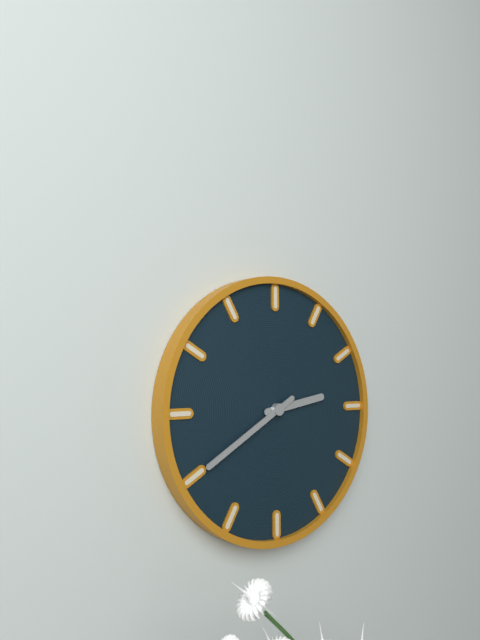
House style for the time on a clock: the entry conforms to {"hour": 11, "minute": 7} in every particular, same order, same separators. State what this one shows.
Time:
{"hour": 2, "minute": 40}
